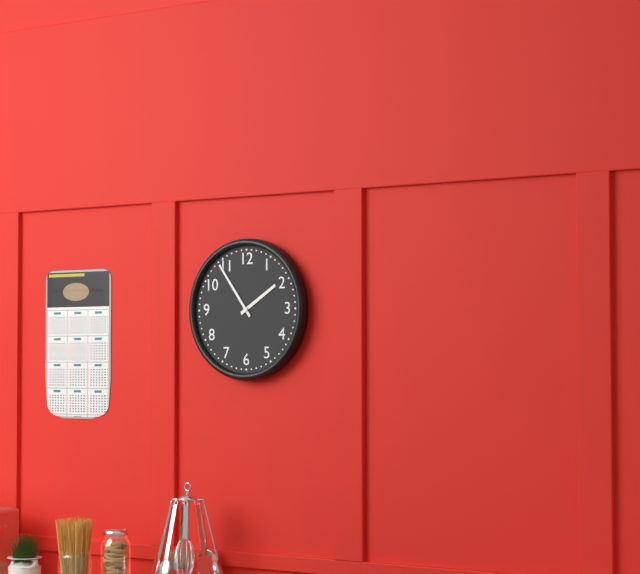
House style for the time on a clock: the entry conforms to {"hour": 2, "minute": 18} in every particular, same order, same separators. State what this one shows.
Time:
{"hour": 1, "minute": 54}
